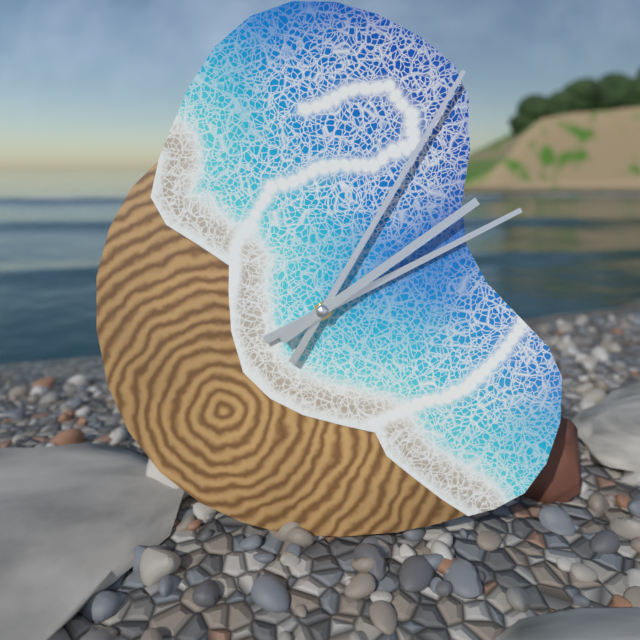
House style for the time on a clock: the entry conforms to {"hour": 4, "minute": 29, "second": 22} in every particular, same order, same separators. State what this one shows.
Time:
{"hour": 2, "minute": 5, "second": 9}
